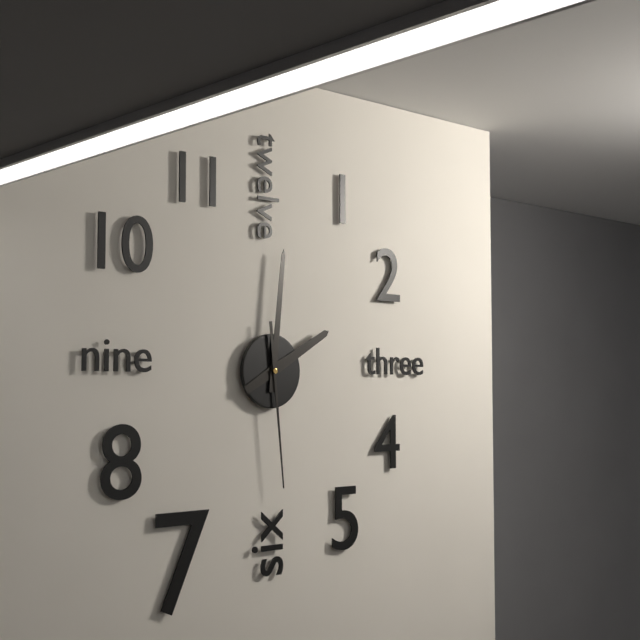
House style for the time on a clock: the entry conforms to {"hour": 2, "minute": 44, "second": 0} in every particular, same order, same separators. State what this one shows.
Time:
{"hour": 2, "minute": 1, "second": 29}
